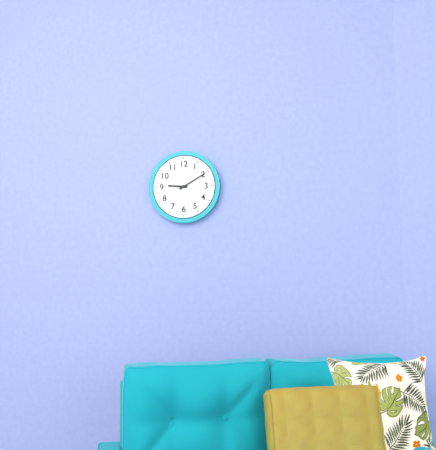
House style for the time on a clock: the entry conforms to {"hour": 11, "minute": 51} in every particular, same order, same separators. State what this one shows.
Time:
{"hour": 9, "minute": 10}
